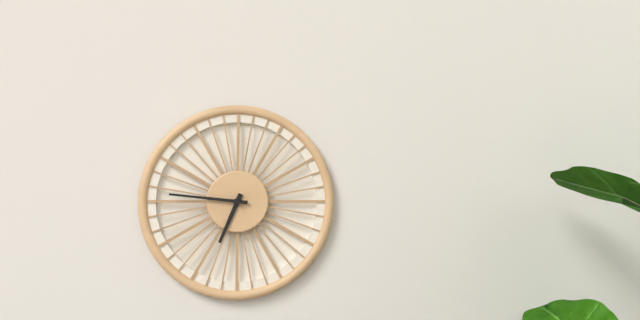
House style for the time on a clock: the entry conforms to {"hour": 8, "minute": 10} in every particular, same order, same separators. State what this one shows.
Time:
{"hour": 6, "minute": 46}
